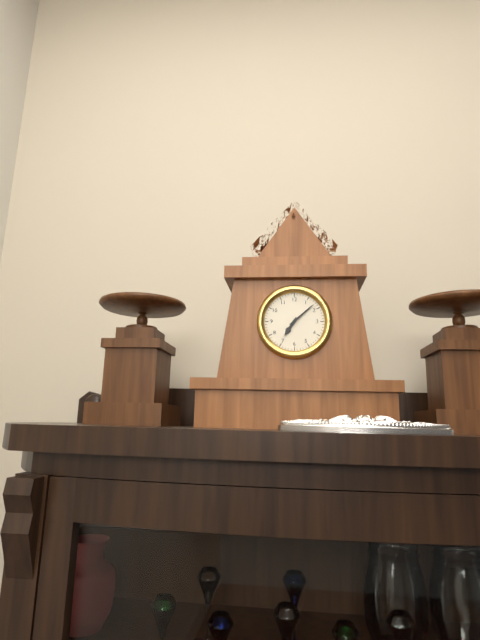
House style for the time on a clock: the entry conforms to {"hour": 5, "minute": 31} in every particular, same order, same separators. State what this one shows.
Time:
{"hour": 7, "minute": 8}
